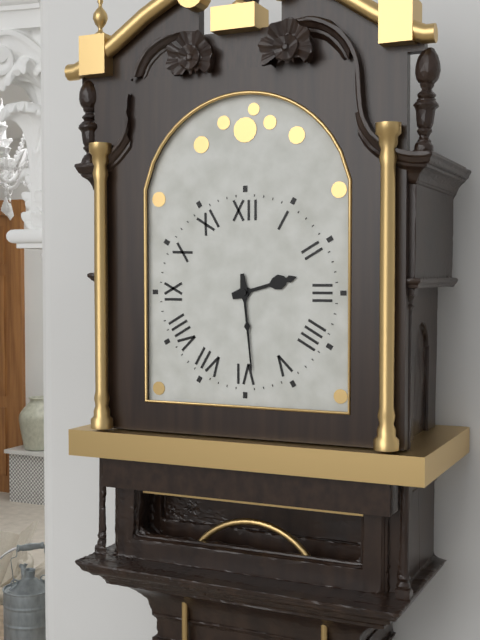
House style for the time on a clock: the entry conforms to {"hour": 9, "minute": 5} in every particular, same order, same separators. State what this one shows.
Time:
{"hour": 2, "minute": 29}
